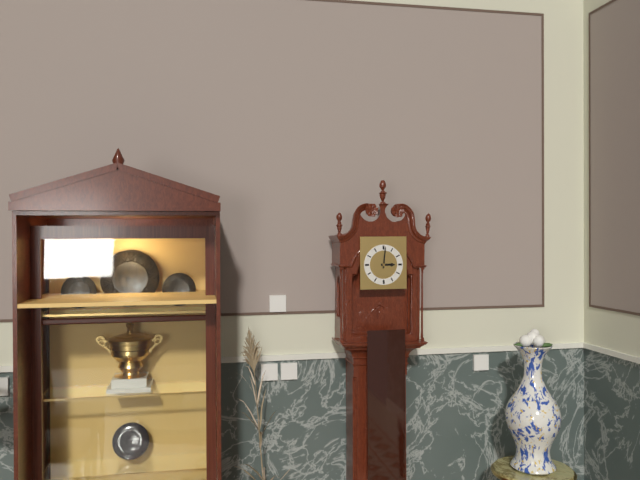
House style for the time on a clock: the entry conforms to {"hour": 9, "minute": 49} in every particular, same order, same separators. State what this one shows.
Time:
{"hour": 3, "minute": 1}
